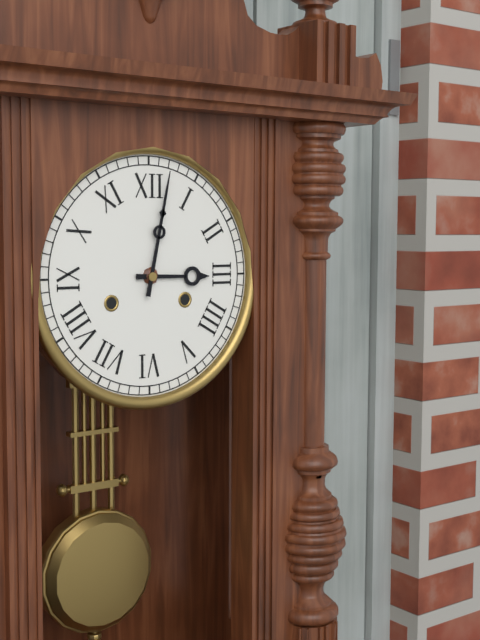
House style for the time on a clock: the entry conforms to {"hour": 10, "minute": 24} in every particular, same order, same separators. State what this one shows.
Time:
{"hour": 3, "minute": 2}
